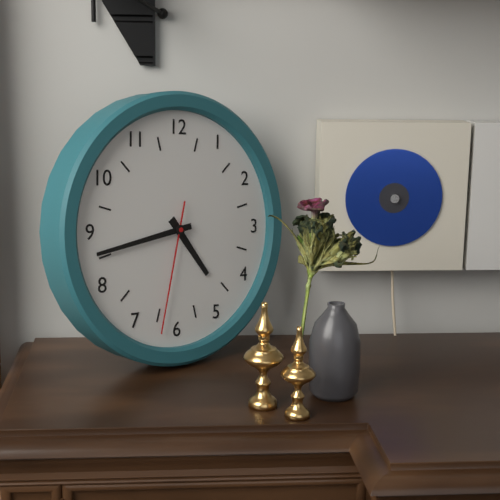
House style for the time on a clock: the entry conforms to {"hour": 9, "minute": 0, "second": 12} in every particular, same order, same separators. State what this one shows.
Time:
{"hour": 4, "minute": 43, "second": 32}
